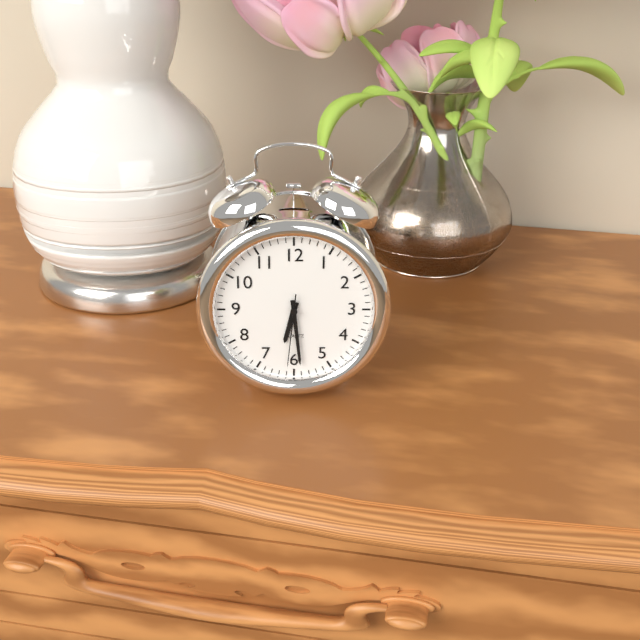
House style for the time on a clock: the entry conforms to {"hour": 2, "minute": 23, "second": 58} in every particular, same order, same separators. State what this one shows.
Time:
{"hour": 6, "minute": 29, "second": 31}
